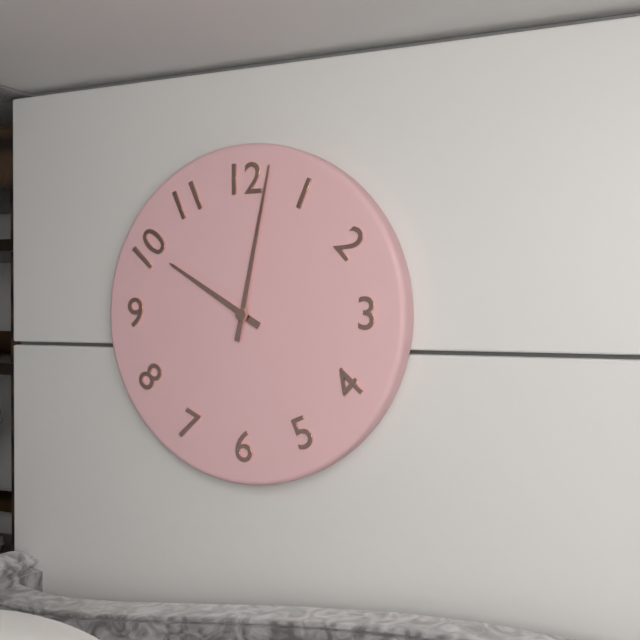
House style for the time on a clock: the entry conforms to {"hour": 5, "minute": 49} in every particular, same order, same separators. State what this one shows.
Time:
{"hour": 10, "minute": 2}
